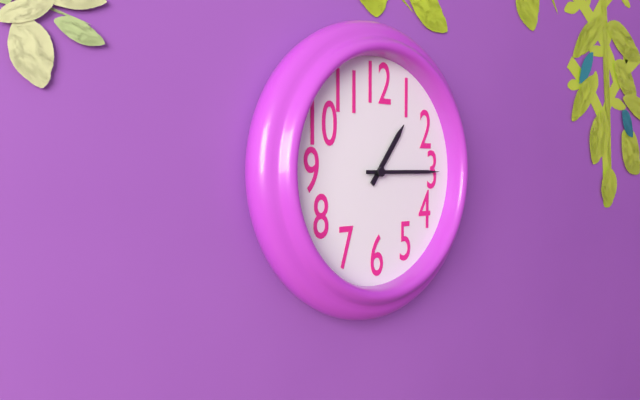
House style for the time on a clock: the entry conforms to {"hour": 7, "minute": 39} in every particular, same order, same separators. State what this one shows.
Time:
{"hour": 1, "minute": 15}
